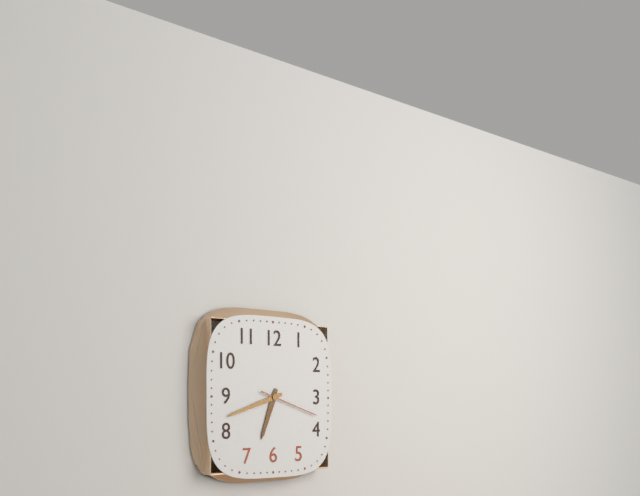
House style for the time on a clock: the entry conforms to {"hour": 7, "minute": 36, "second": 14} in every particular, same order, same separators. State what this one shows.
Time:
{"hour": 6, "minute": 42, "second": 18}
